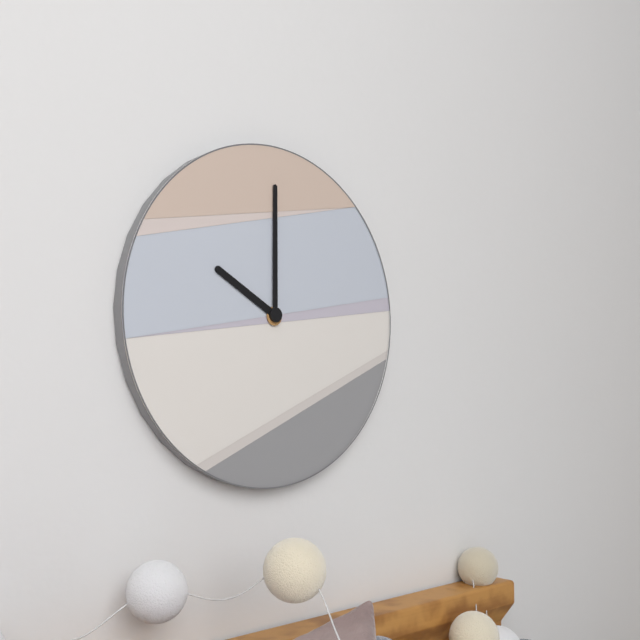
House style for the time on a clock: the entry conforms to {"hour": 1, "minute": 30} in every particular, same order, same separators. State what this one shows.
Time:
{"hour": 10, "minute": 0}
